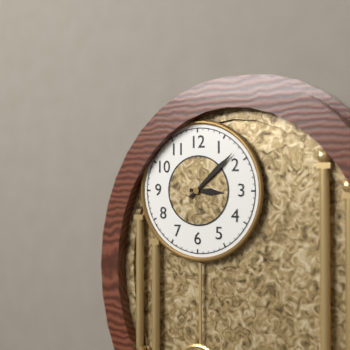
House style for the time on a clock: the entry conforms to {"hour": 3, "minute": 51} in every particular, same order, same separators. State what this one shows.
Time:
{"hour": 3, "minute": 8}
